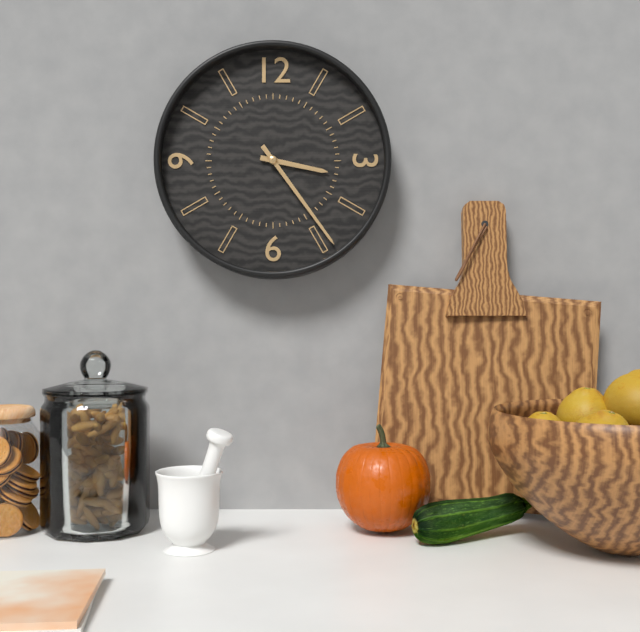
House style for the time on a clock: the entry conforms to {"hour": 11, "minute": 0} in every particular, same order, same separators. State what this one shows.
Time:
{"hour": 3, "minute": 24}
